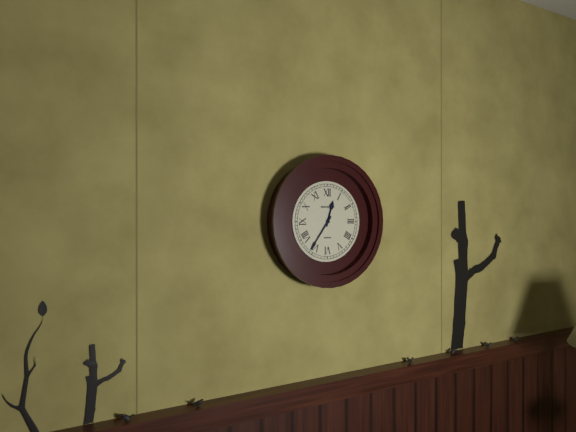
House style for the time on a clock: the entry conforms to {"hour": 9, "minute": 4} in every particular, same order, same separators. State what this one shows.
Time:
{"hour": 12, "minute": 36}
